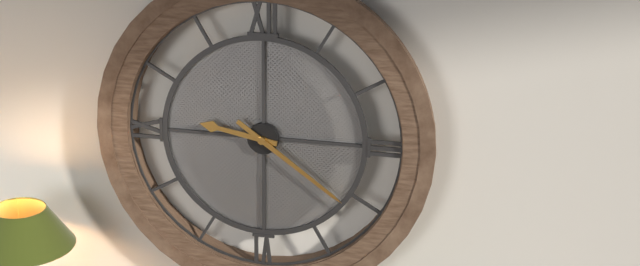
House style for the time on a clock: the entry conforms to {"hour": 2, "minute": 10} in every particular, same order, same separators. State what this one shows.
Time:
{"hour": 9, "minute": 21}
